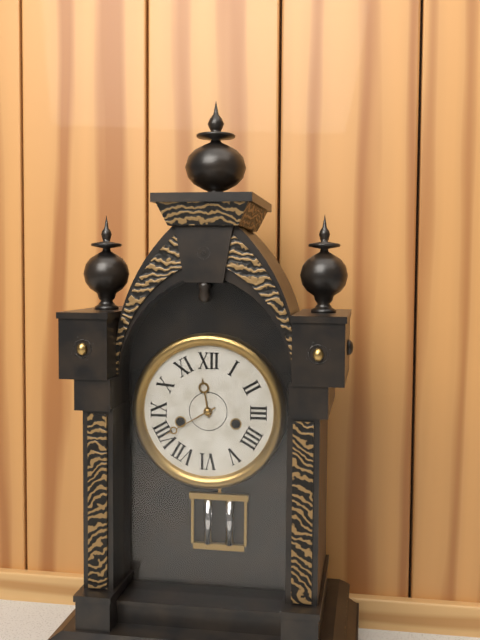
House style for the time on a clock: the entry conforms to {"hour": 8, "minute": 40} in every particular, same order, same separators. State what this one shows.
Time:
{"hour": 11, "minute": 40}
